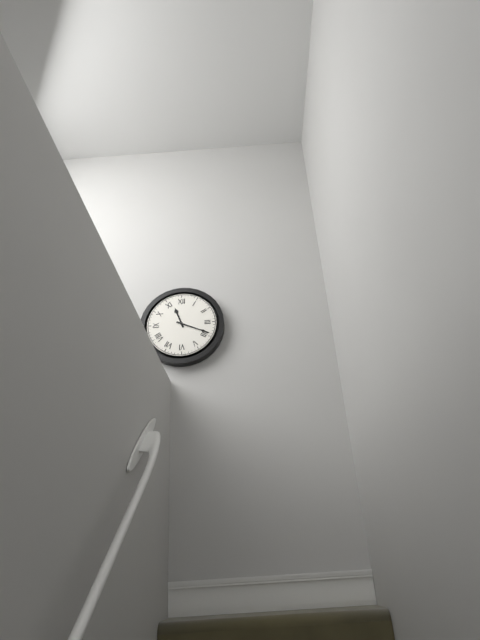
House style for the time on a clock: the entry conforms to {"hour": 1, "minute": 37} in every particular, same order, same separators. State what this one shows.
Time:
{"hour": 11, "minute": 19}
